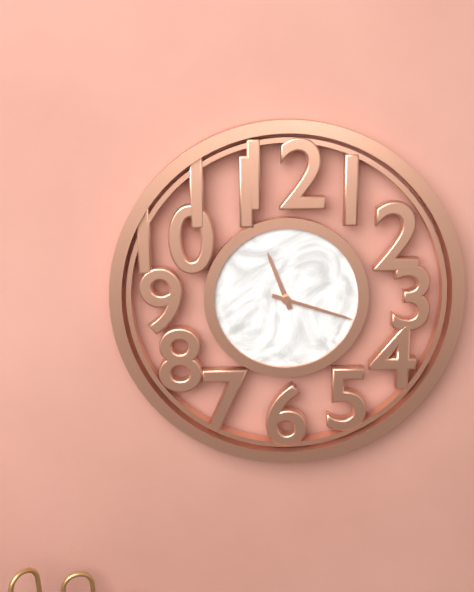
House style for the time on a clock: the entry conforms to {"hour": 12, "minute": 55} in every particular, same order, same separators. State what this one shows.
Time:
{"hour": 11, "minute": 18}
